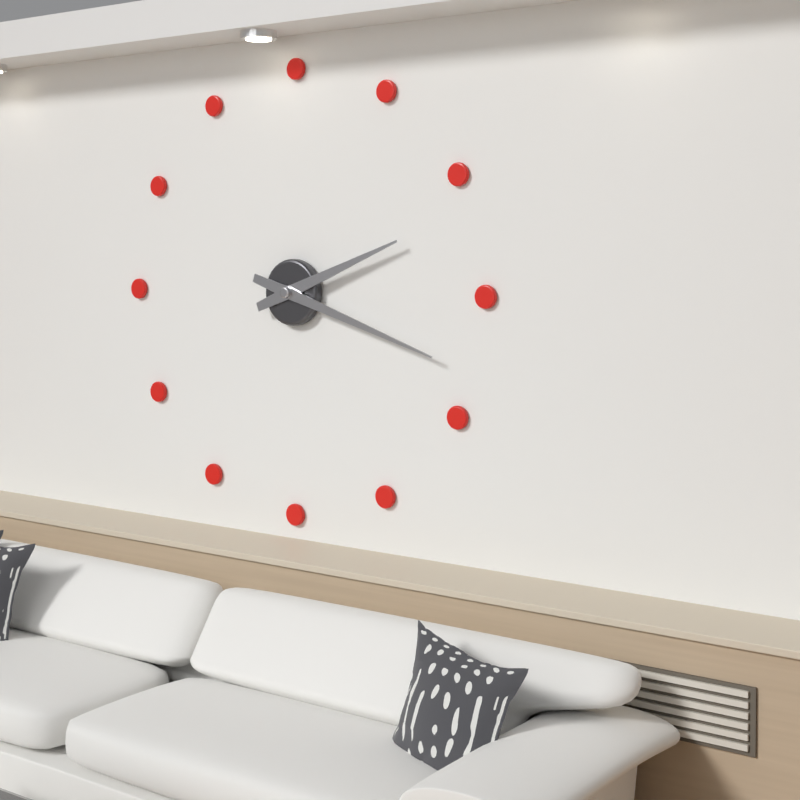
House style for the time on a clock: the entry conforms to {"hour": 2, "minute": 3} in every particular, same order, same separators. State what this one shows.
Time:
{"hour": 2, "minute": 18}
